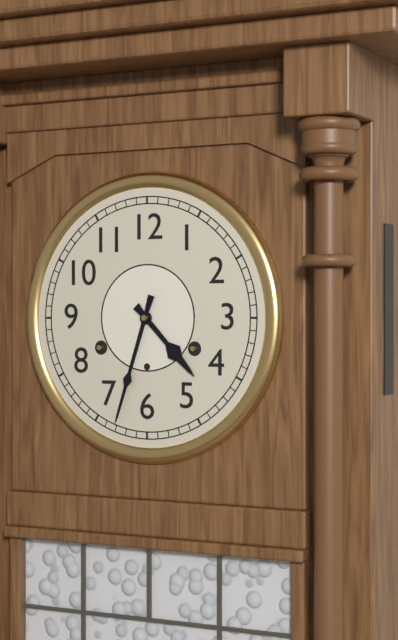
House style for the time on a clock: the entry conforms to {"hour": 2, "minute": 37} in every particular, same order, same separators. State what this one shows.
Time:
{"hour": 4, "minute": 33}
